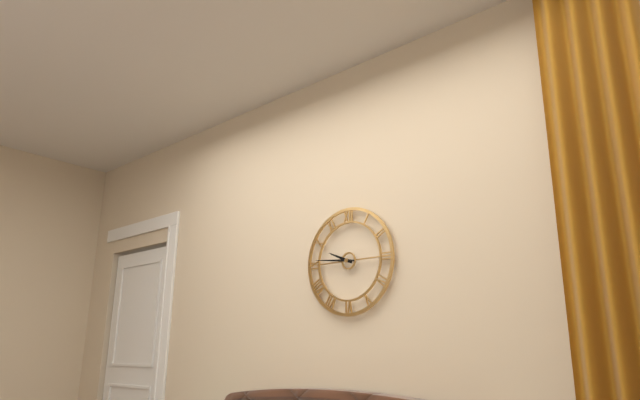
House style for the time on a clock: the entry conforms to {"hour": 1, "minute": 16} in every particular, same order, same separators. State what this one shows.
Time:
{"hour": 9, "minute": 46}
